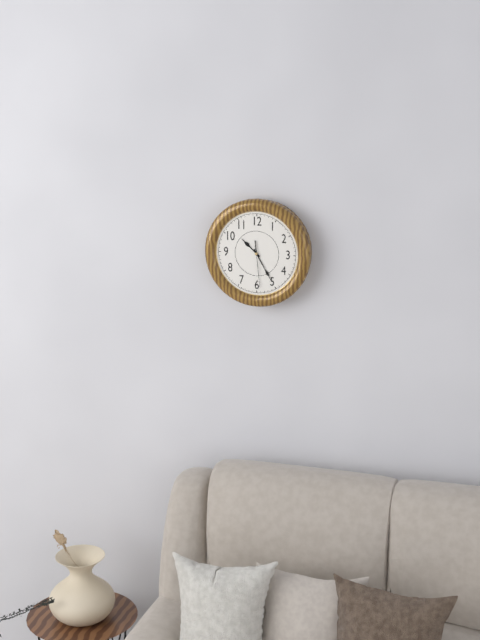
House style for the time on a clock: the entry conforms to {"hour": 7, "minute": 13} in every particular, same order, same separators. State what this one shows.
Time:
{"hour": 10, "minute": 25}
